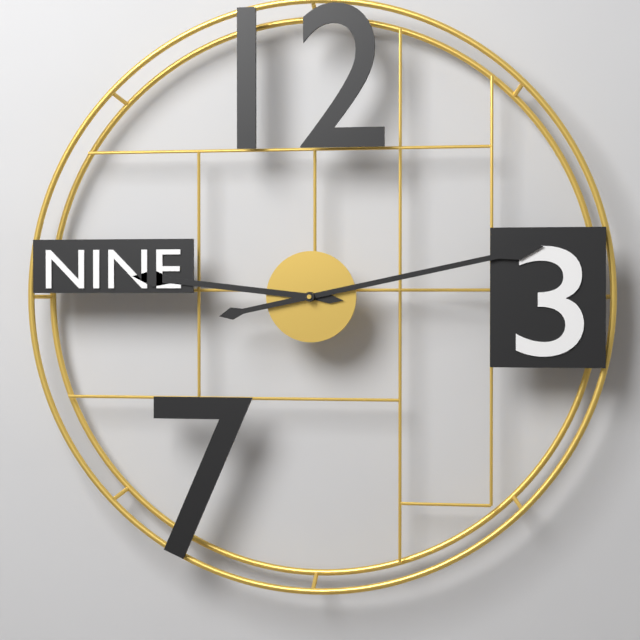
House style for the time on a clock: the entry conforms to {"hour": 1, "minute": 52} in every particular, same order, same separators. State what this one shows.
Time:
{"hour": 9, "minute": 13}
